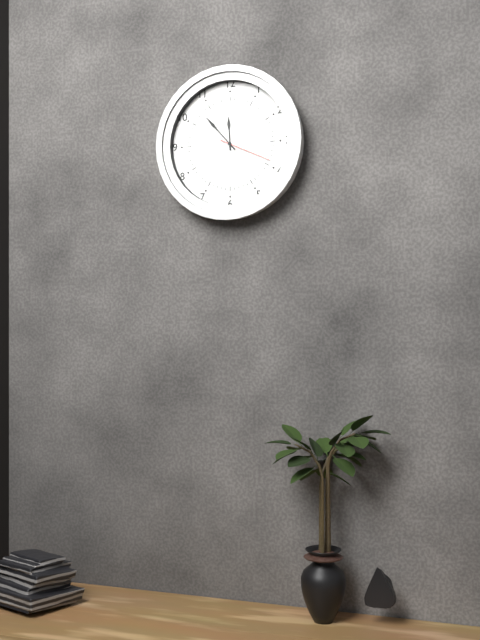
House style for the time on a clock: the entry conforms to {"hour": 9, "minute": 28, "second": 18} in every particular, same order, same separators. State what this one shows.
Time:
{"hour": 11, "minute": 53, "second": 19}
